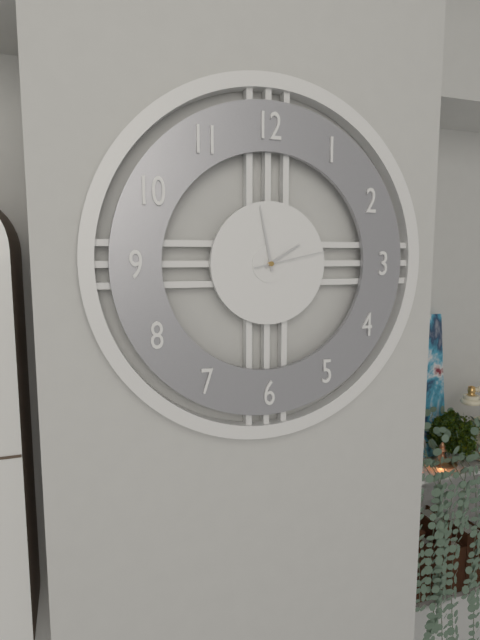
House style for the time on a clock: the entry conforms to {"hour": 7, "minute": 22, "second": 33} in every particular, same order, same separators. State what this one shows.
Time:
{"hour": 1, "minute": 58, "second": 13}
